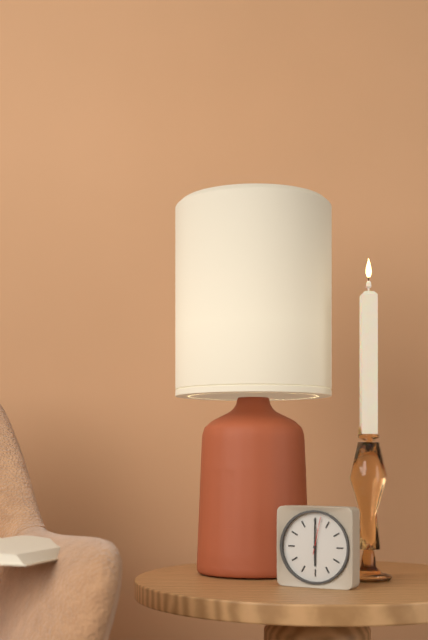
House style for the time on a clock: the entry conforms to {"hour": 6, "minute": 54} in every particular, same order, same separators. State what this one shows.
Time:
{"hour": 6, "minute": 0}
